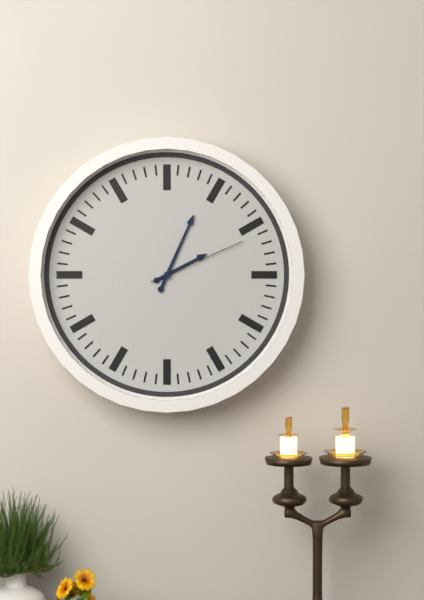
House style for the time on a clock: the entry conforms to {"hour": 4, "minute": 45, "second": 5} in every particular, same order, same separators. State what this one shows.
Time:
{"hour": 2, "minute": 4, "second": 11}
